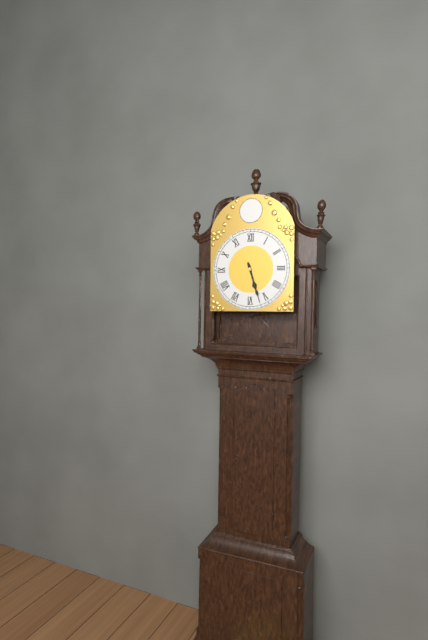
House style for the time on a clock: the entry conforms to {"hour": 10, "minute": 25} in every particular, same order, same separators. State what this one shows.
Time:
{"hour": 5, "minute": 27}
